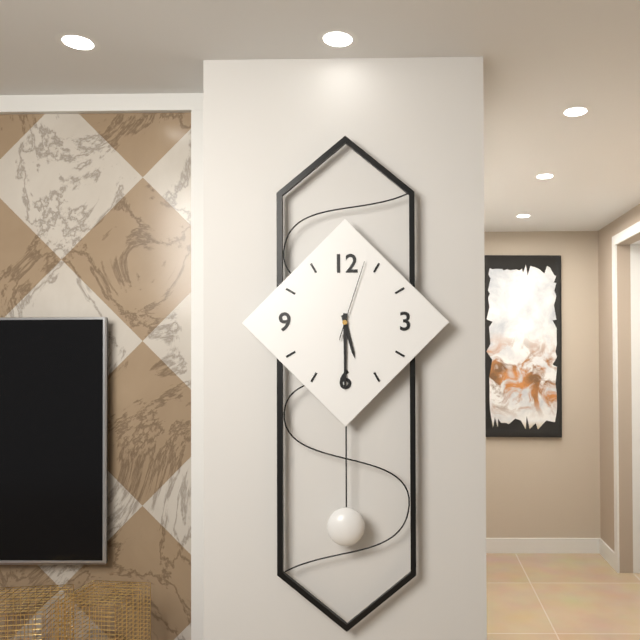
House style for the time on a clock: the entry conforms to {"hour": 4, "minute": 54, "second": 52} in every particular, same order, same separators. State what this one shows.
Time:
{"hour": 5, "minute": 30, "second": 3}
